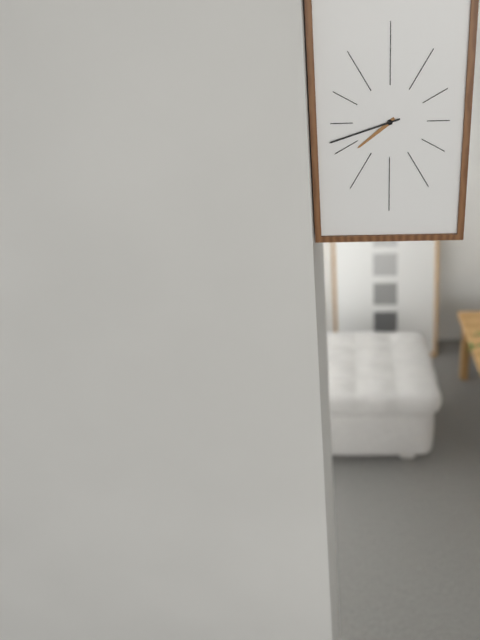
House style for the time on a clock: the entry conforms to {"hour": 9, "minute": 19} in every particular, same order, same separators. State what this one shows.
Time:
{"hour": 7, "minute": 42}
